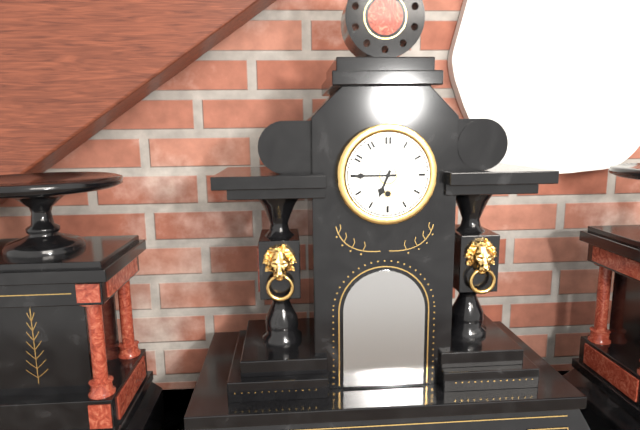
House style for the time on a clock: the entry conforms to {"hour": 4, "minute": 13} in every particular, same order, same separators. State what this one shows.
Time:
{"hour": 6, "minute": 45}
